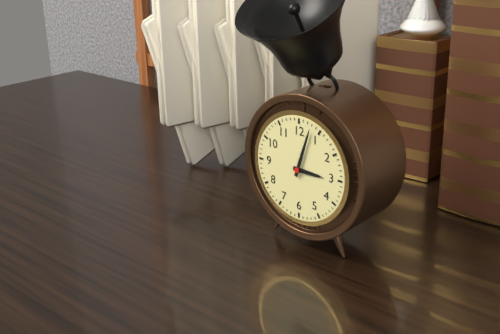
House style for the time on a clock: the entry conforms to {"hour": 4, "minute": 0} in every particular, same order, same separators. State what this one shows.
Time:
{"hour": 3, "minute": 3}
